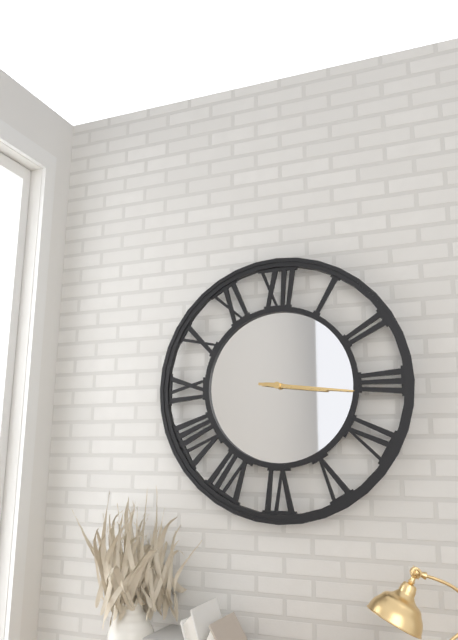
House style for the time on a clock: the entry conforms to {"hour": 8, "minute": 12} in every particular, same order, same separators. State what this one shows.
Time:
{"hour": 3, "minute": 16}
